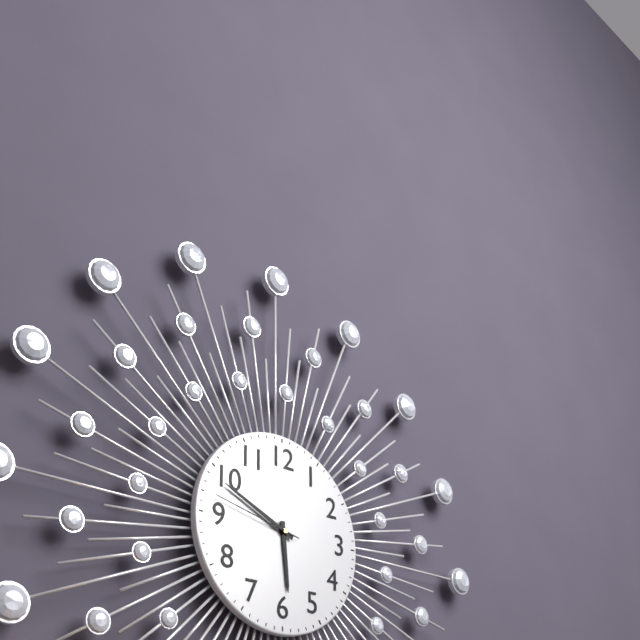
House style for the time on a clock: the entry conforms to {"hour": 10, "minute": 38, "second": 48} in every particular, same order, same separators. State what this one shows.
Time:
{"hour": 5, "minute": 49, "second": 47}
